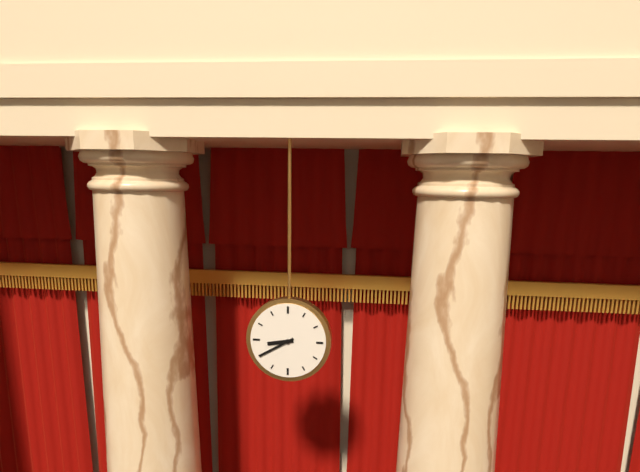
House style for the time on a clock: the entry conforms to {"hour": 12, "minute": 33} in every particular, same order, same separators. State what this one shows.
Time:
{"hour": 8, "minute": 40}
